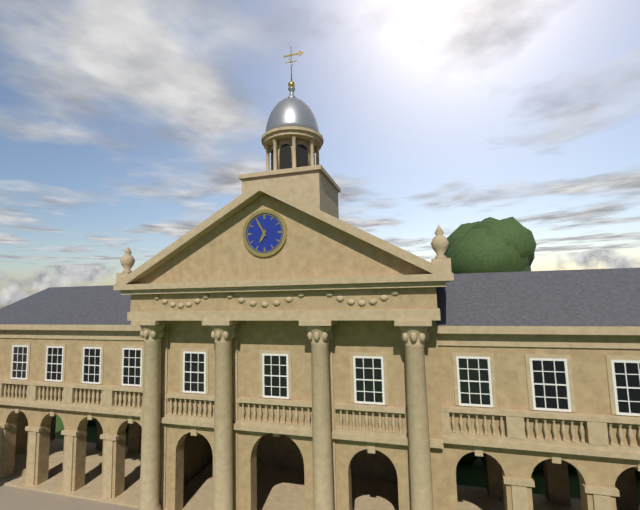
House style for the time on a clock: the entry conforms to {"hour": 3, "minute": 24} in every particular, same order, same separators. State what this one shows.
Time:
{"hour": 6, "minute": 55}
